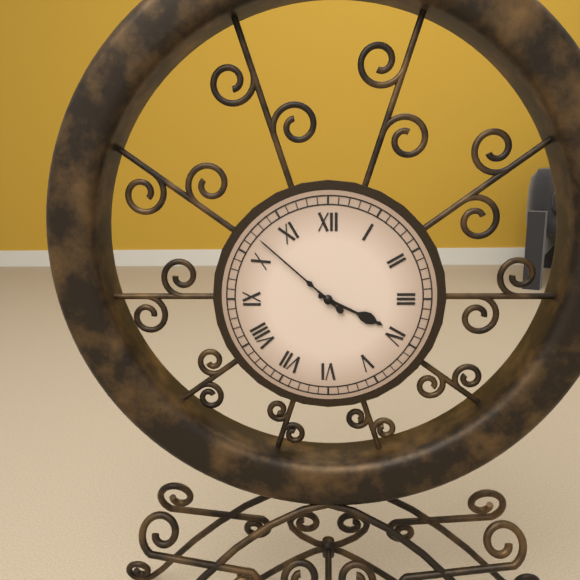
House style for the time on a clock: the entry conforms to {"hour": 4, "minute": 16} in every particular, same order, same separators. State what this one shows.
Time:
{"hour": 3, "minute": 52}
